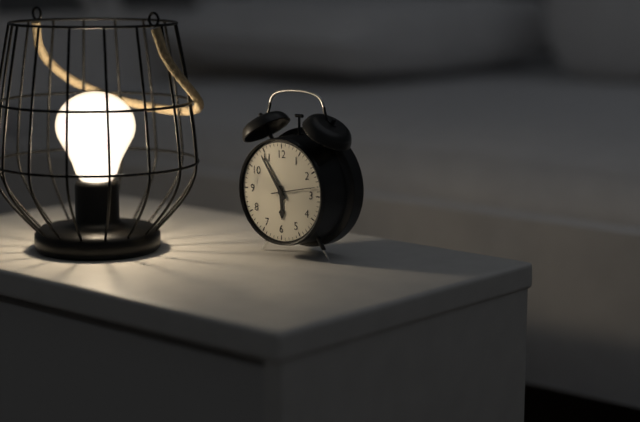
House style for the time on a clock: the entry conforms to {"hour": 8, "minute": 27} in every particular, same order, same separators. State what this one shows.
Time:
{"hour": 5, "minute": 54}
